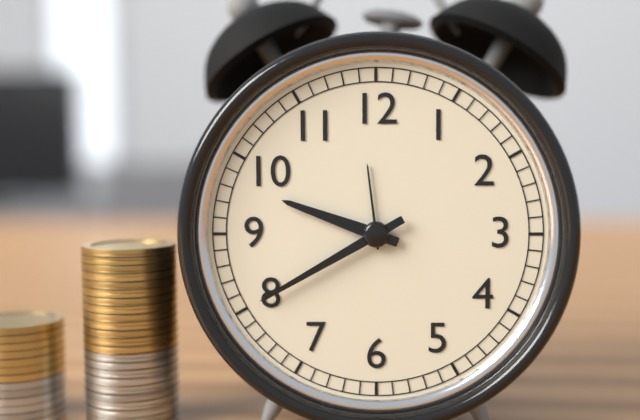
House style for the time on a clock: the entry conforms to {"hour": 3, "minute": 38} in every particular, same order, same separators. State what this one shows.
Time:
{"hour": 9, "minute": 40}
